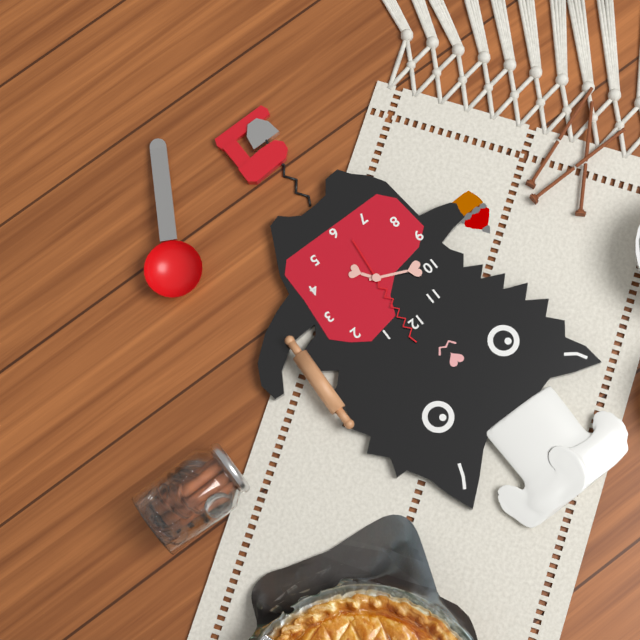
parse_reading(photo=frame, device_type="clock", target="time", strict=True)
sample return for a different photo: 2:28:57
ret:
4:49:01
